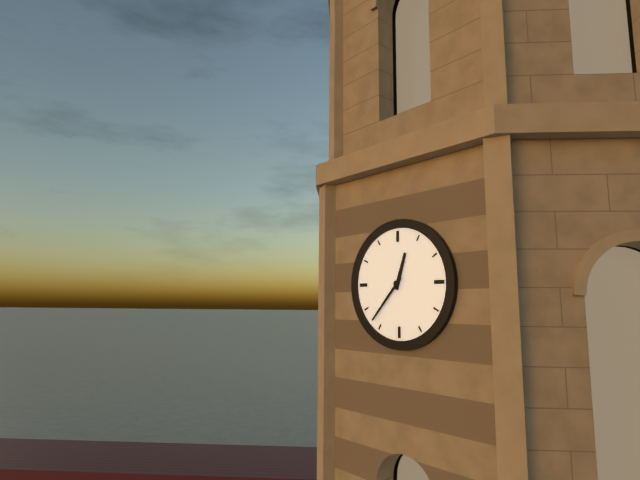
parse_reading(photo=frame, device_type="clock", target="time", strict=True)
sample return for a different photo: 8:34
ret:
12:37
